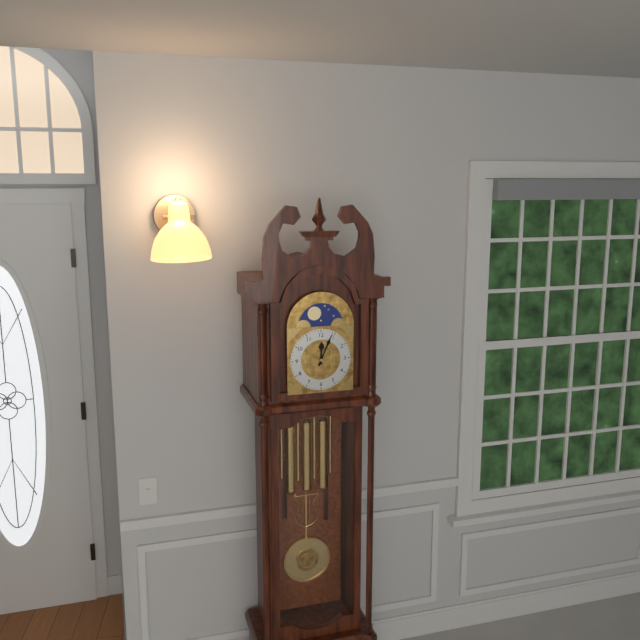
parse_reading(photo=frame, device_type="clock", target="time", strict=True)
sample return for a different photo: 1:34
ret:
12:04
